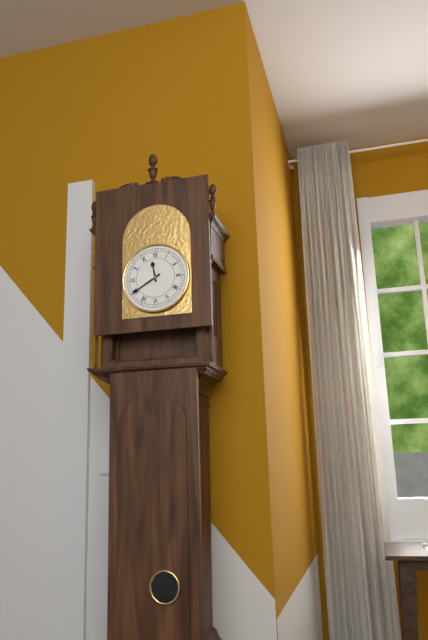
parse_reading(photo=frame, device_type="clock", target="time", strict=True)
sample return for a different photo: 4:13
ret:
11:40
